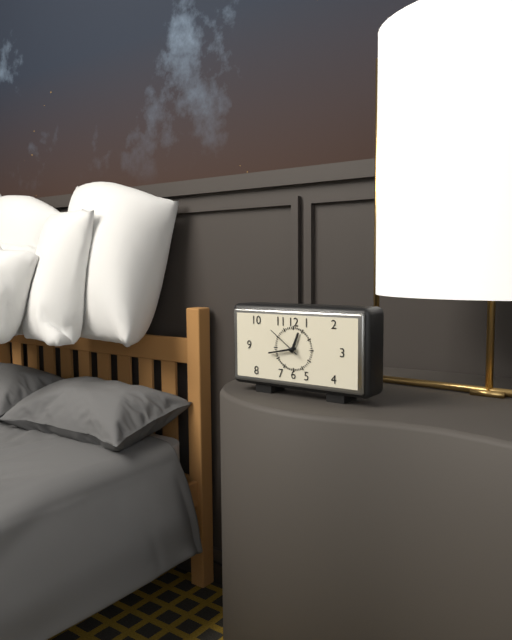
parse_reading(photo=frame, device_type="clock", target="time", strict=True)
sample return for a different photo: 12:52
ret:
12:43
